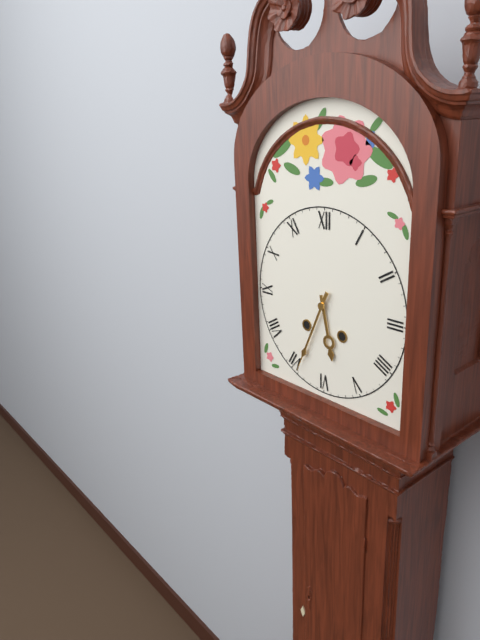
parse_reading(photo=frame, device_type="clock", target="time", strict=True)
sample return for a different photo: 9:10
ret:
5:34
